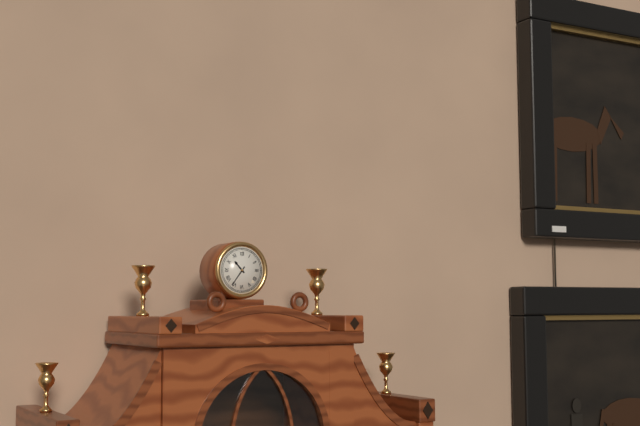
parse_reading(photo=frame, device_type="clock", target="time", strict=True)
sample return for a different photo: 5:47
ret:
10:36
